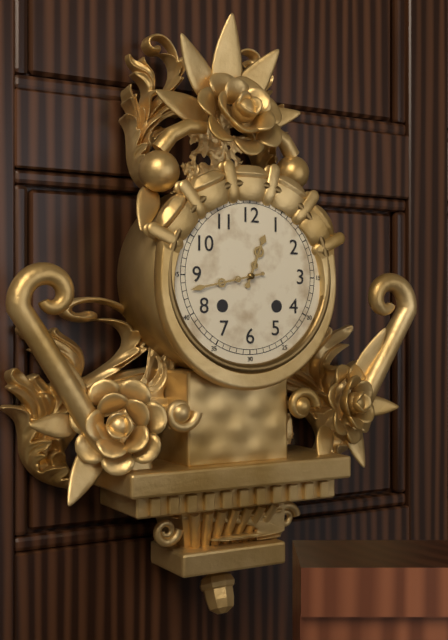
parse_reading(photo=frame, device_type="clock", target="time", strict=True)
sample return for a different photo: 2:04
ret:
12:43
